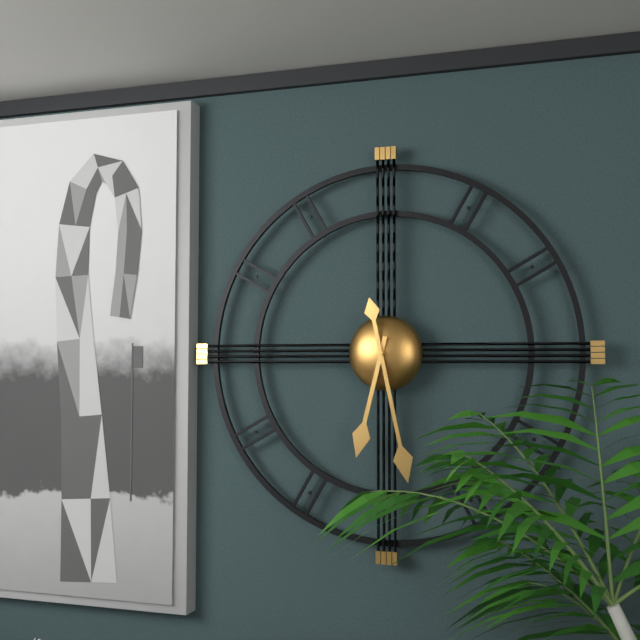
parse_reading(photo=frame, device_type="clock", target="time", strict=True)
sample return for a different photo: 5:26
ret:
6:28
